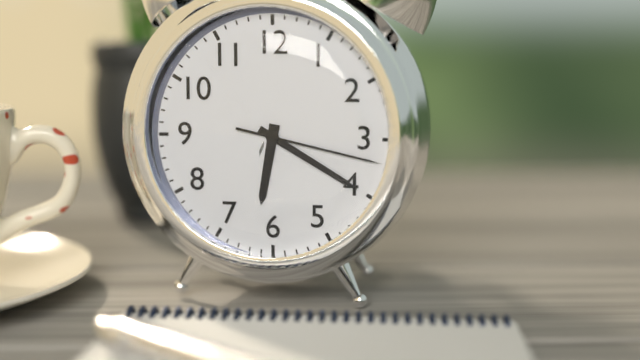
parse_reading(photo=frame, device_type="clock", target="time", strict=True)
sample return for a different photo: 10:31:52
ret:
6:20:17
